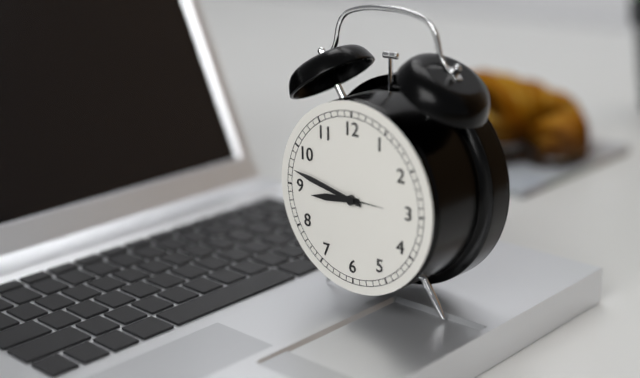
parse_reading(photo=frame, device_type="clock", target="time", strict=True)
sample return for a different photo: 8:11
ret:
8:47
